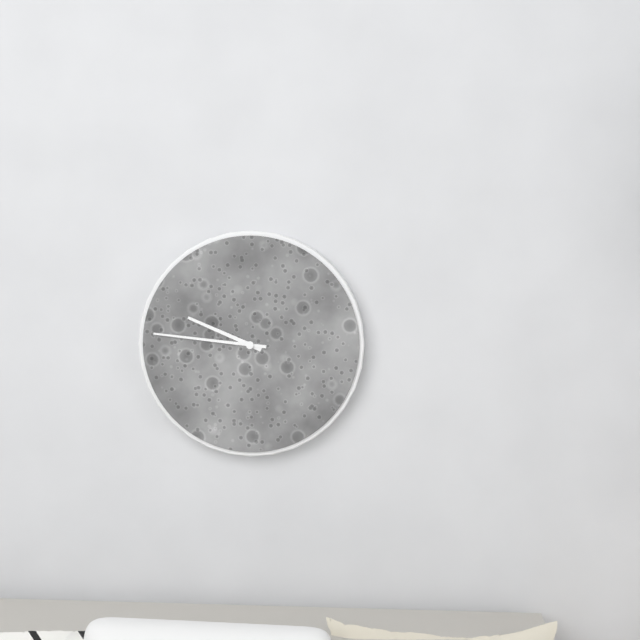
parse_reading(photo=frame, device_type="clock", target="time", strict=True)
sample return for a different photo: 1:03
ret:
9:46
